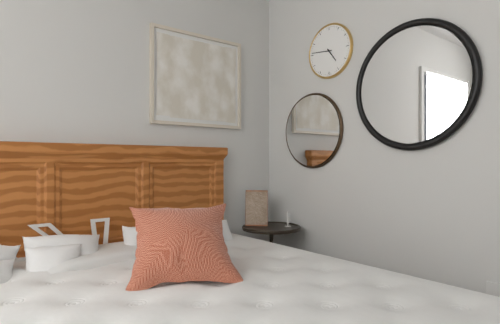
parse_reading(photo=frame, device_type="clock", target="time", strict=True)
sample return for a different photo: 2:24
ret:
4:46
